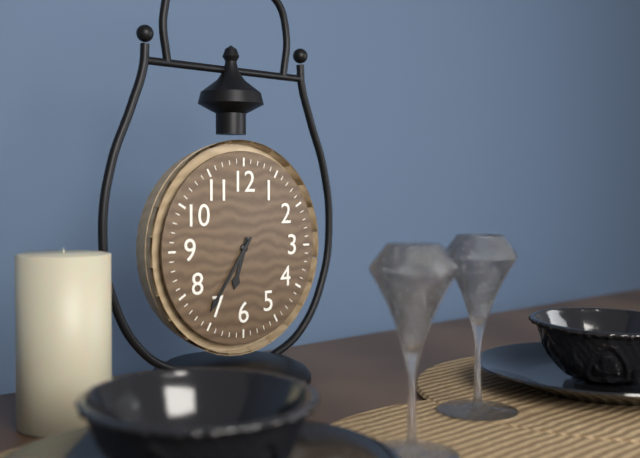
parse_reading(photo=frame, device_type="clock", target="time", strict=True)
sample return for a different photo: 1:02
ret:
6:36
